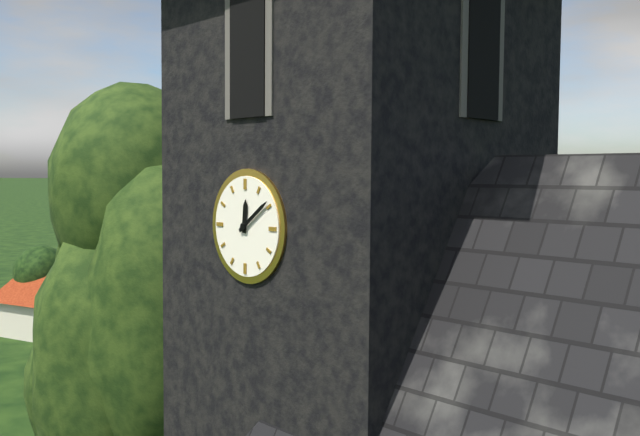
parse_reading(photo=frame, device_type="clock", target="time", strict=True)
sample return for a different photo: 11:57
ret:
12:09
